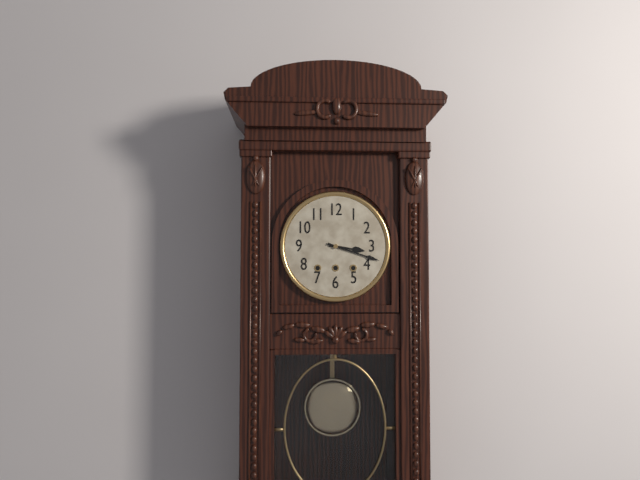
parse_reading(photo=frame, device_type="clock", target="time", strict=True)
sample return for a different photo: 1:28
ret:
3:18
